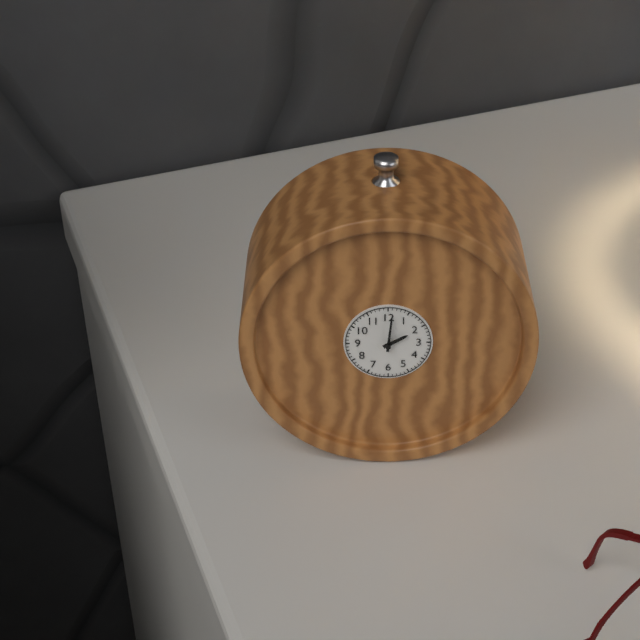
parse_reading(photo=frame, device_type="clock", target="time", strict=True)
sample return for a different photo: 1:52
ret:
2:01
